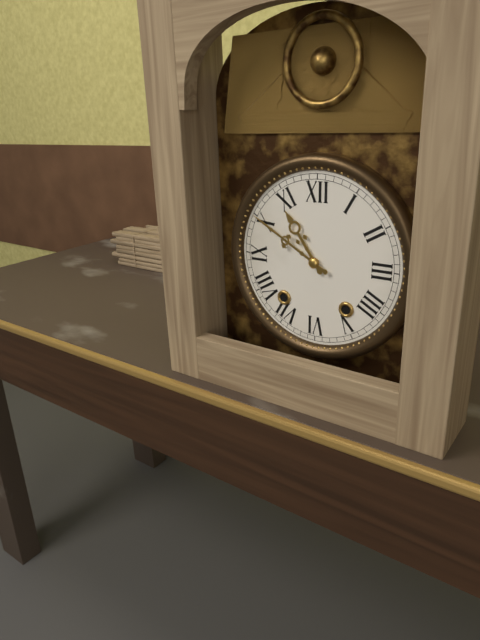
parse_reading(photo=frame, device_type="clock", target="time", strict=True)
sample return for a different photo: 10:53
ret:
10:50
